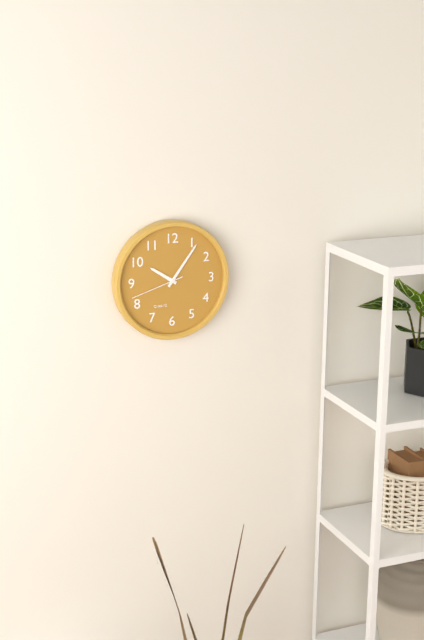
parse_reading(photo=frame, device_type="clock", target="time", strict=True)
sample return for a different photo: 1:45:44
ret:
10:06:42
